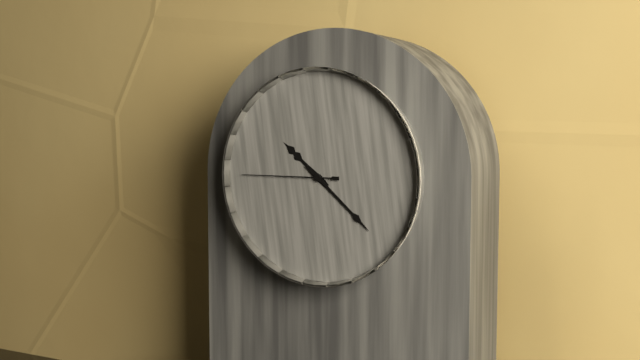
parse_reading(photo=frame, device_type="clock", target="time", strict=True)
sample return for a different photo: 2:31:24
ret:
10:22:45
